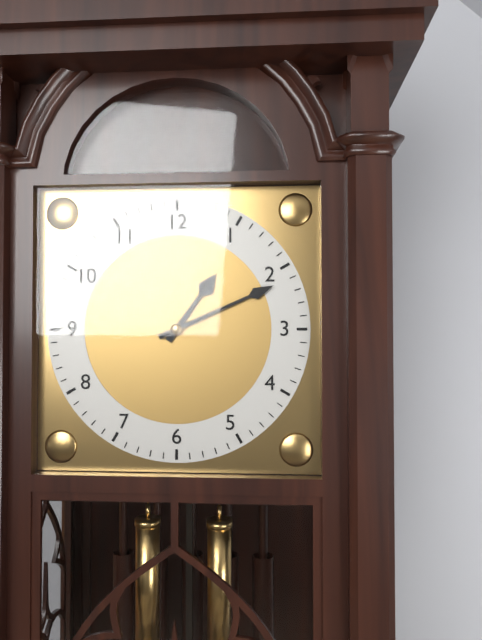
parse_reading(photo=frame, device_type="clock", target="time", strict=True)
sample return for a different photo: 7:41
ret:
1:11
